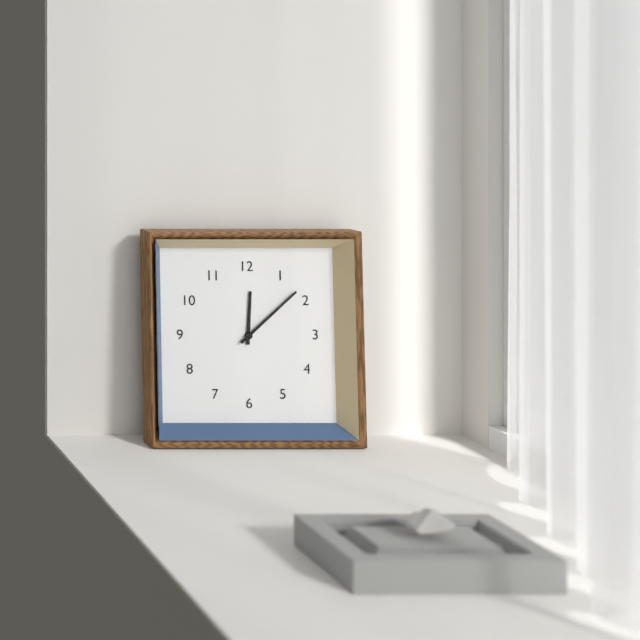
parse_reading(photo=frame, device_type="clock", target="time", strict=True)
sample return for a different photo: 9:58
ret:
12:08
